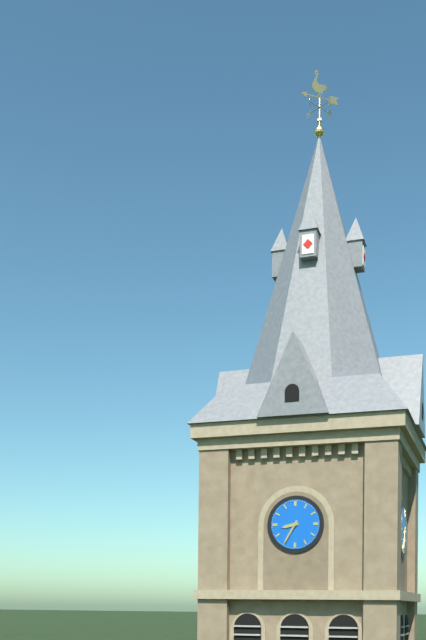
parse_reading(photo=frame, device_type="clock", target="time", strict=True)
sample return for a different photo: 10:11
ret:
8:35
